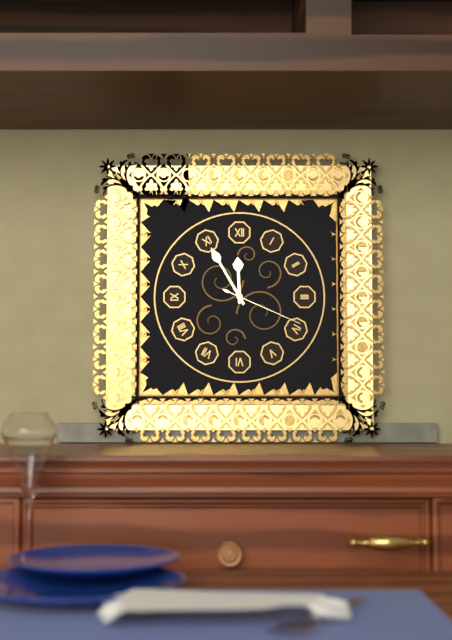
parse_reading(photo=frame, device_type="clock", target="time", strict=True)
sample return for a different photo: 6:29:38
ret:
11:55:19
